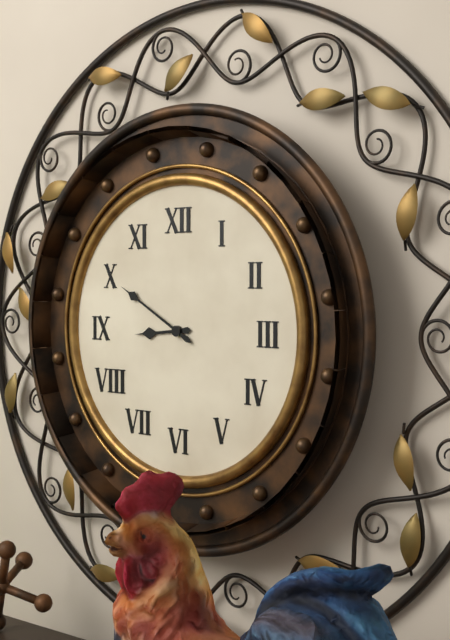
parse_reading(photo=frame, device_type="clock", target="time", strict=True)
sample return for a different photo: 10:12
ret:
8:50
